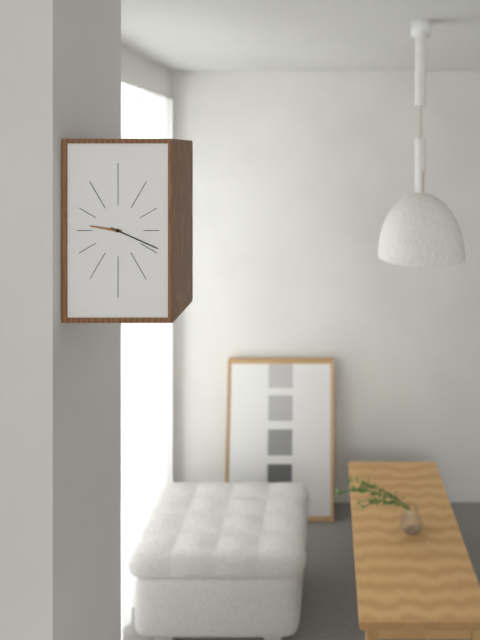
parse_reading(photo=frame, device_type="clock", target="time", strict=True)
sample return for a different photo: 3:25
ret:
9:19
